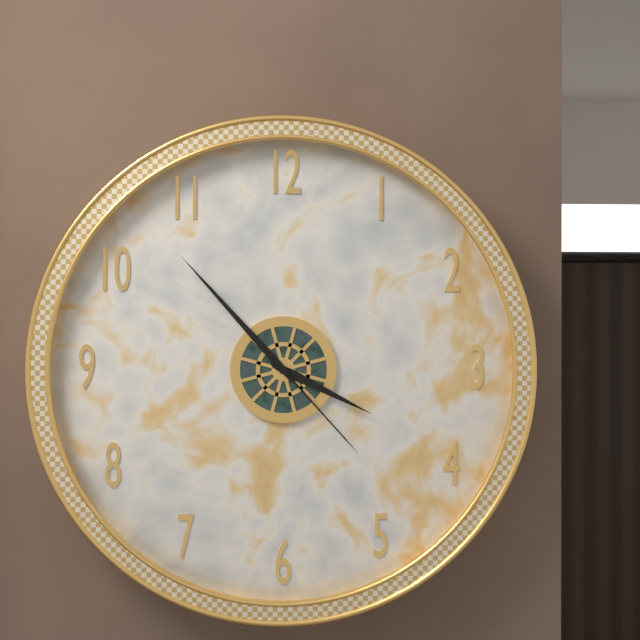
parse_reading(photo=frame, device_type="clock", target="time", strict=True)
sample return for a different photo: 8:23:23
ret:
3:53:23
